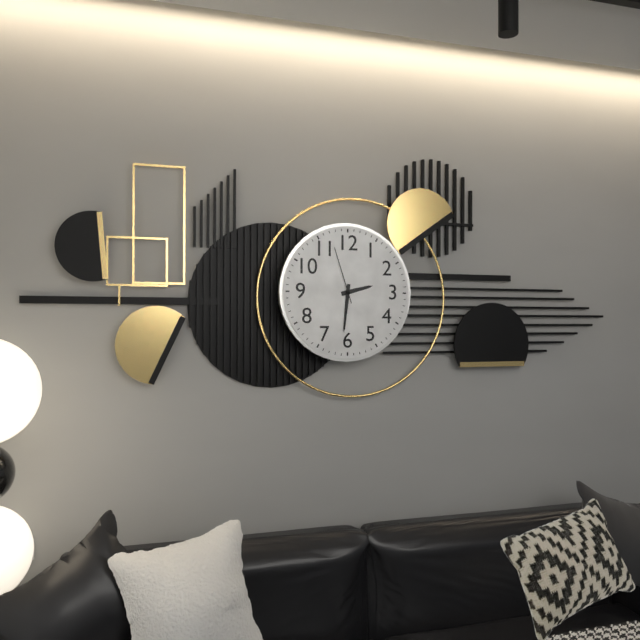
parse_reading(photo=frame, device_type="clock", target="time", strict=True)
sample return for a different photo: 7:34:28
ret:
2:31:57
